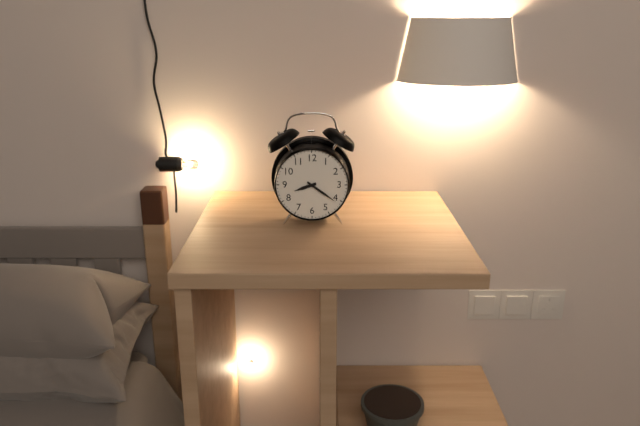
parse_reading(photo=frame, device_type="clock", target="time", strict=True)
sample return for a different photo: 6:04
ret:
8:21
